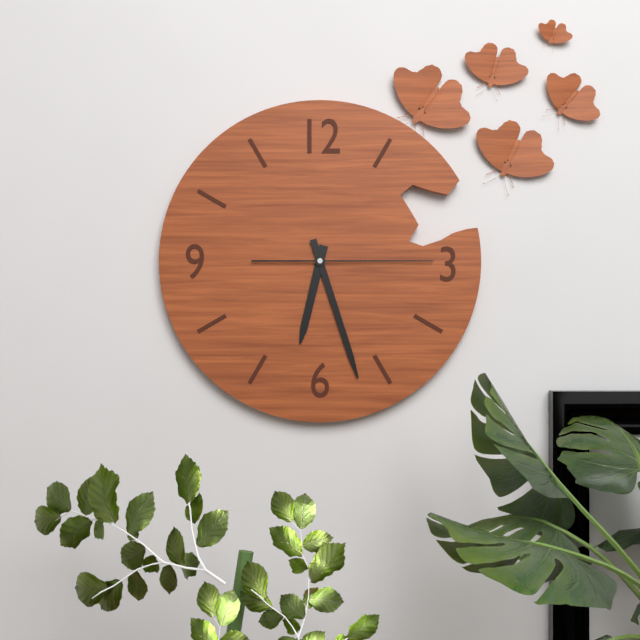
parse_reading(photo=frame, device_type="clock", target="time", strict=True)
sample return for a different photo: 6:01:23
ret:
6:27:15
